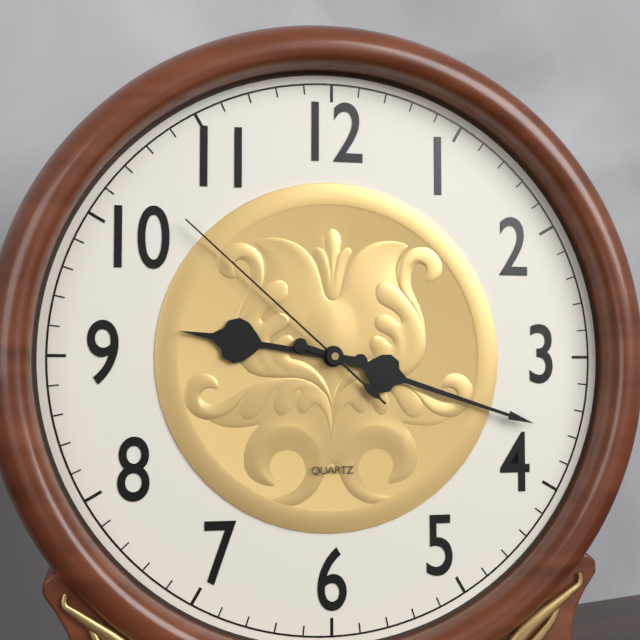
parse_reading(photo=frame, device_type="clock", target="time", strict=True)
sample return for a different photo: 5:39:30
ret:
9:18:52
